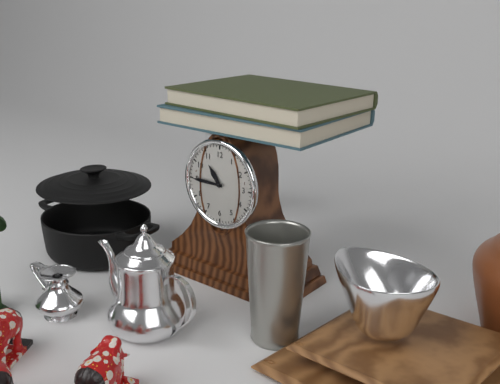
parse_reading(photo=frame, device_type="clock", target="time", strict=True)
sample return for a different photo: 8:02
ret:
10:45
